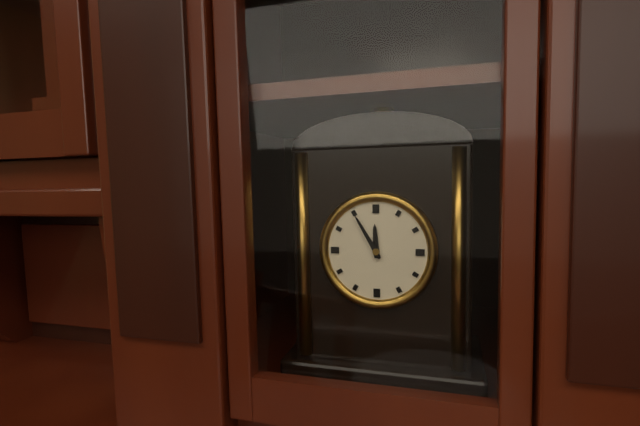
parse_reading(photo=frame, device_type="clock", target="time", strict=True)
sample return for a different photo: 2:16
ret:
11:55
